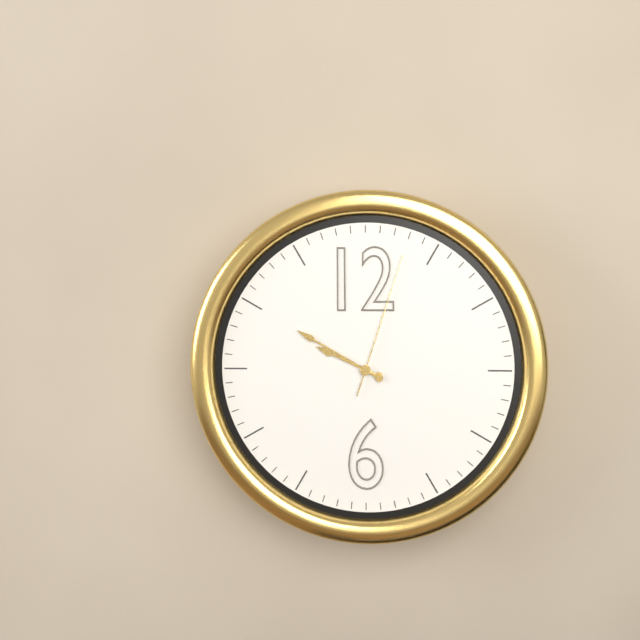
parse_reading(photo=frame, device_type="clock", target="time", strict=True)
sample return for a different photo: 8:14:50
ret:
9:50:03
